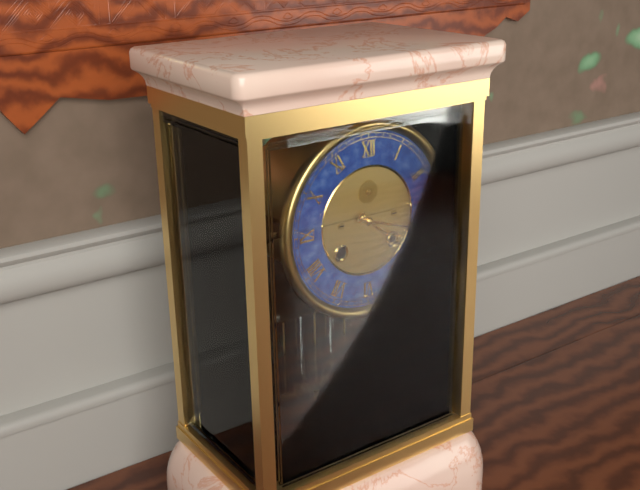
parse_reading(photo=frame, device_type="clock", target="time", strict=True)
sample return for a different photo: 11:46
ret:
4:18
